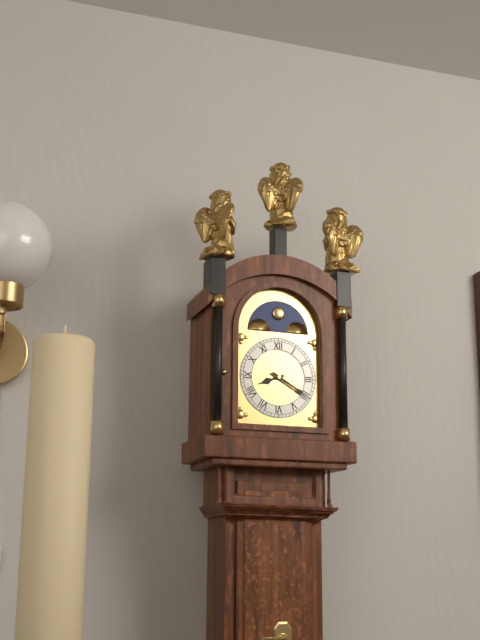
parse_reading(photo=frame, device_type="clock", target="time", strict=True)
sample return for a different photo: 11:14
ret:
8:20
